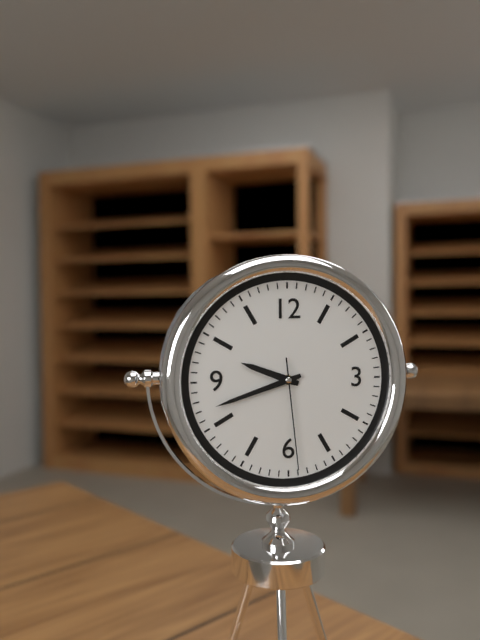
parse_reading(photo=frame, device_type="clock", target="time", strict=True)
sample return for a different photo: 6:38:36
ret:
9:42:29
